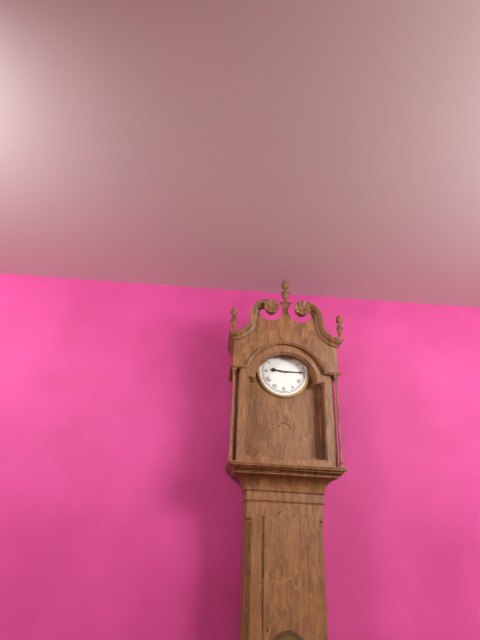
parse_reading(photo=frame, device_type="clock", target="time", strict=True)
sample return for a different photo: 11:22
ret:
9:15
